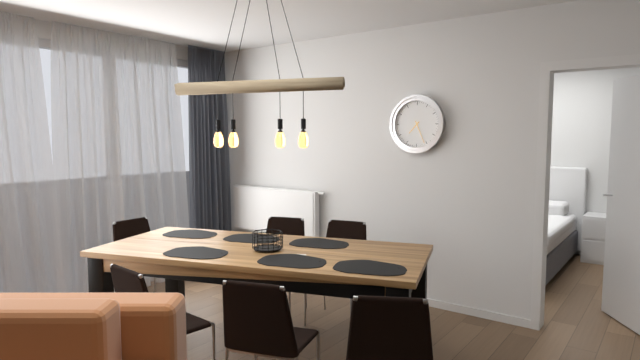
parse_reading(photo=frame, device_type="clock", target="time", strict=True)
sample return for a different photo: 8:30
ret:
7:26
